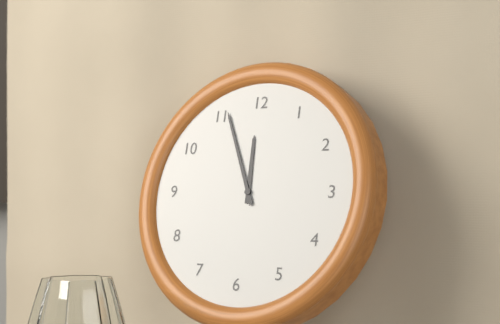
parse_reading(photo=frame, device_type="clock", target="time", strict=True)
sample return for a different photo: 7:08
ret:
11:56
